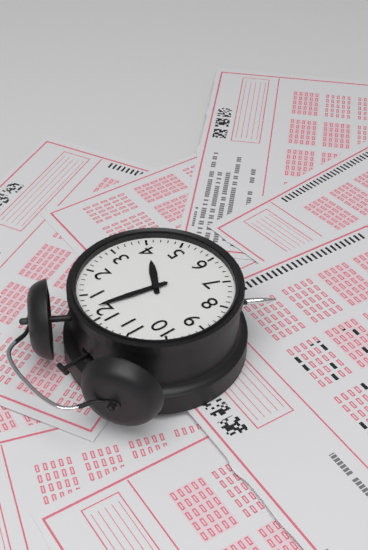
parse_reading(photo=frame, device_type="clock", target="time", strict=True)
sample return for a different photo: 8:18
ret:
4:02
